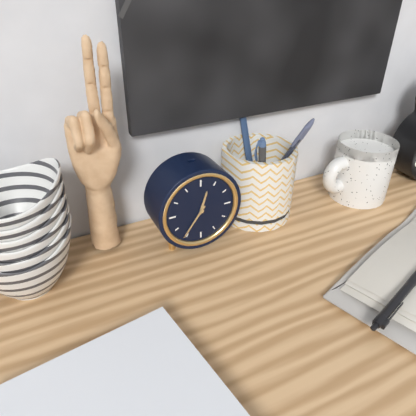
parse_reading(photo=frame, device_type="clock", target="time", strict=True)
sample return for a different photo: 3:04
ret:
12:36
